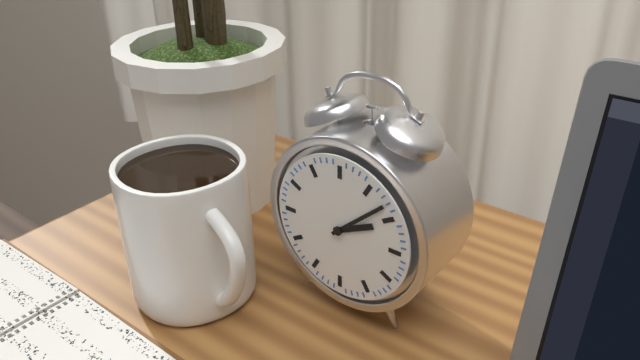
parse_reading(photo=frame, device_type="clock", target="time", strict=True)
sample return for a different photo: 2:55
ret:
2:08
